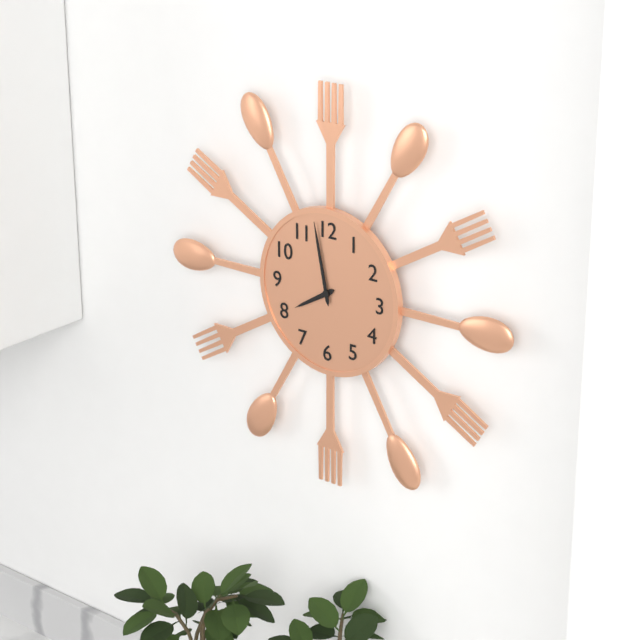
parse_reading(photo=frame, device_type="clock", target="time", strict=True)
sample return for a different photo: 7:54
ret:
7:58
